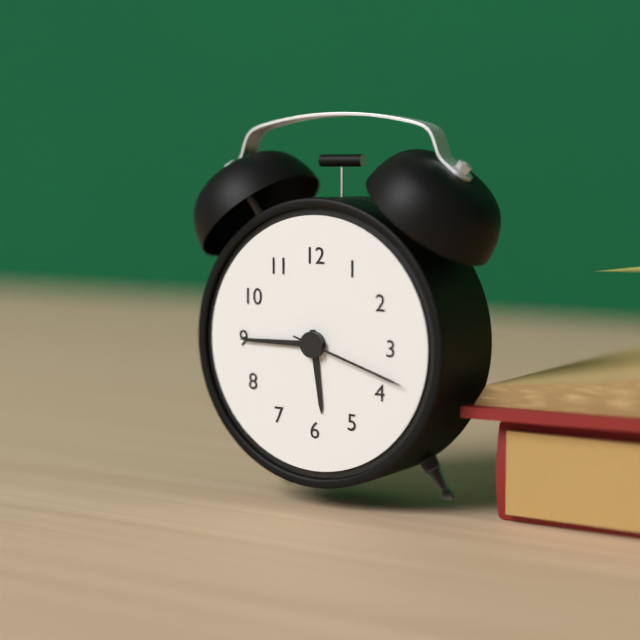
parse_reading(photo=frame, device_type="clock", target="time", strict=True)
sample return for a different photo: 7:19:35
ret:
5:45:18
